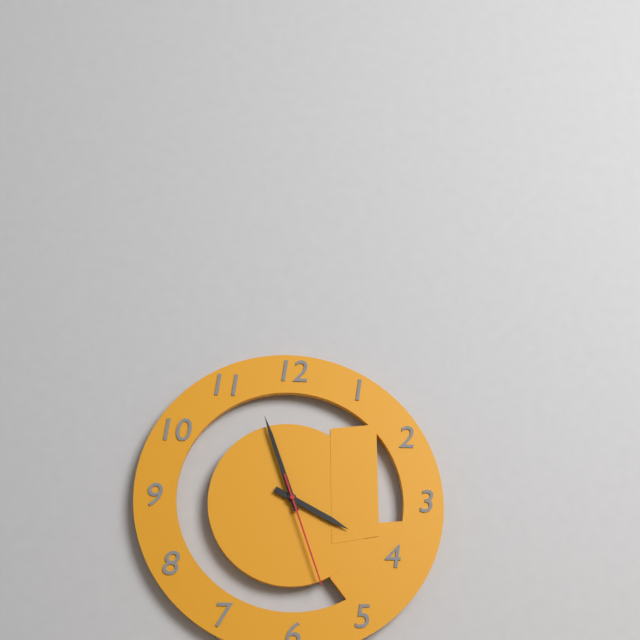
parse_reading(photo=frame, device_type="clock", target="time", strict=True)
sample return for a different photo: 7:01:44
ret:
3:57:27
